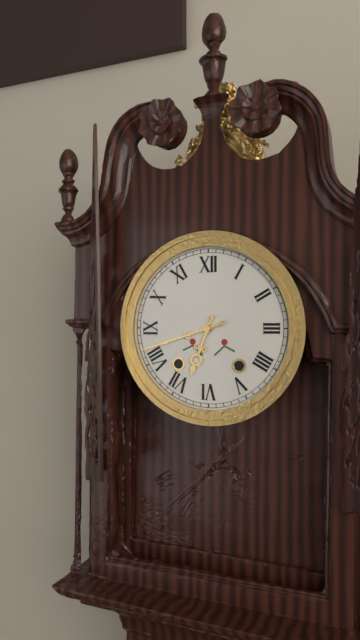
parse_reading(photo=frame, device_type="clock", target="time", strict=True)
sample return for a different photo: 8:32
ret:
6:42
